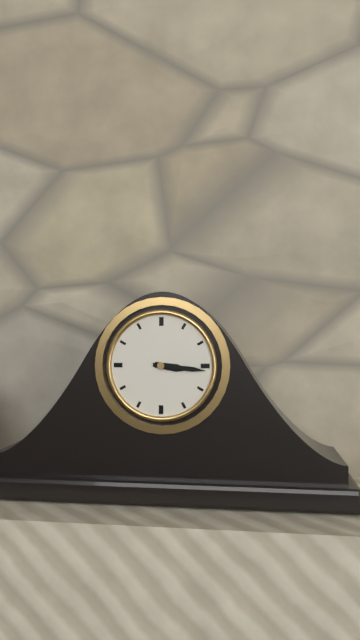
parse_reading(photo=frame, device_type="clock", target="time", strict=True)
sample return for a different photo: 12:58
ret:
3:16
